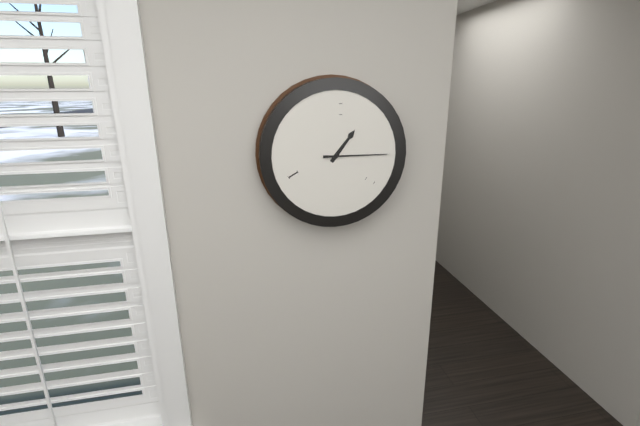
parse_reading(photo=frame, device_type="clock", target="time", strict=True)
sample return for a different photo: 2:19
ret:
1:15
